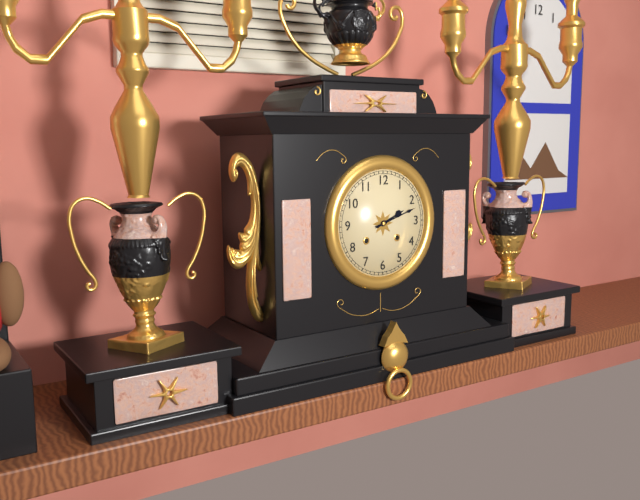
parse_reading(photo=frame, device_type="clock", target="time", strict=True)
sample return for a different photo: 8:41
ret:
2:12
